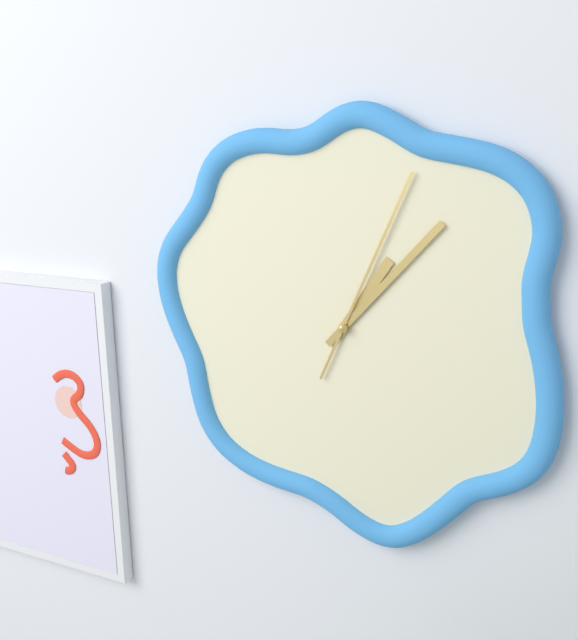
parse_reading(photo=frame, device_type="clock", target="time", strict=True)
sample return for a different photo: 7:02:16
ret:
1:07:04
